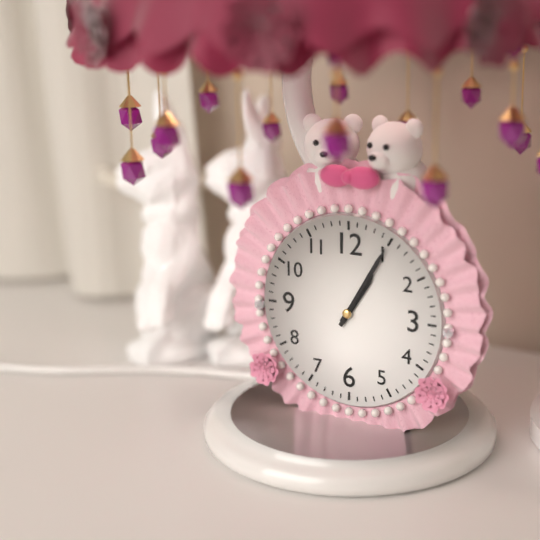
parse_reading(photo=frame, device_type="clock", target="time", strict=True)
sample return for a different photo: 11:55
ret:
1:05
